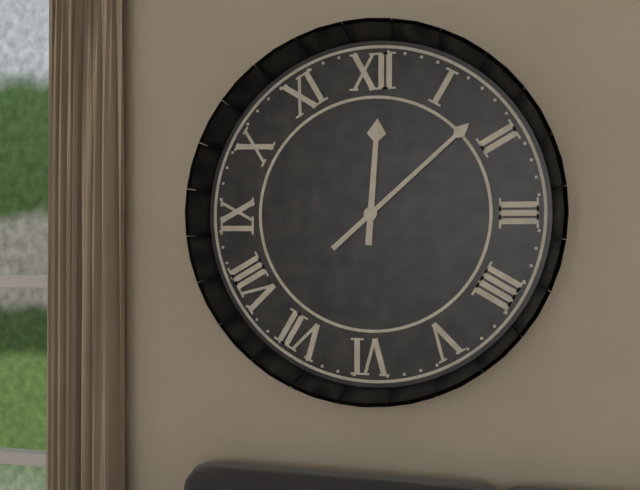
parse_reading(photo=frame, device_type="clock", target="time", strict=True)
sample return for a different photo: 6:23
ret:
12:08
